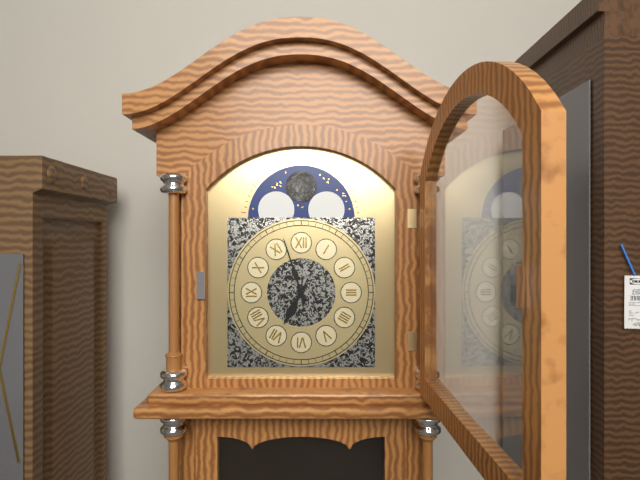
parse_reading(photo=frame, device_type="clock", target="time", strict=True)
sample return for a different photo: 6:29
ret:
6:57
